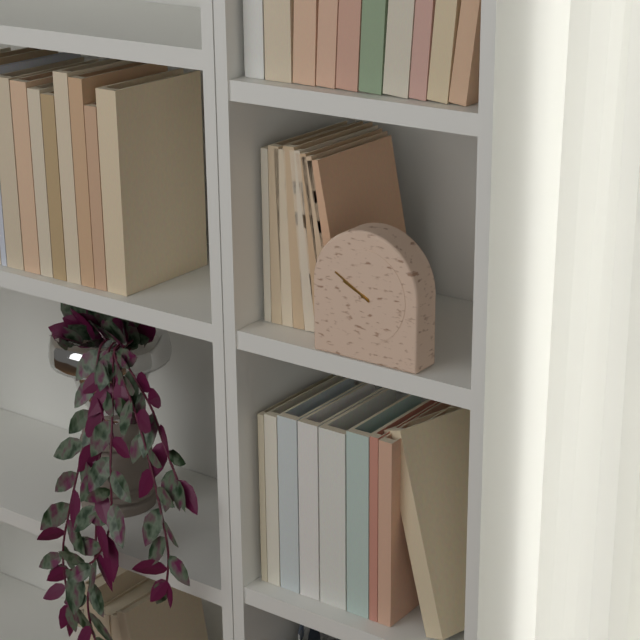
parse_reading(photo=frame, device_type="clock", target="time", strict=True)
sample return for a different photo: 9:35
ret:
9:50
